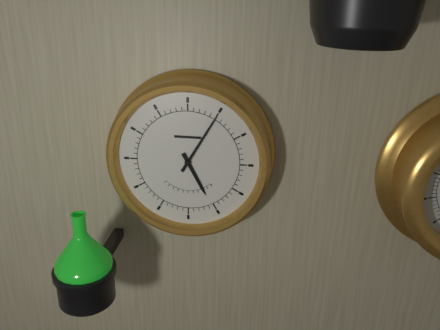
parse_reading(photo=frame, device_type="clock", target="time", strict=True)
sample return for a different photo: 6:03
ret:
5:05
